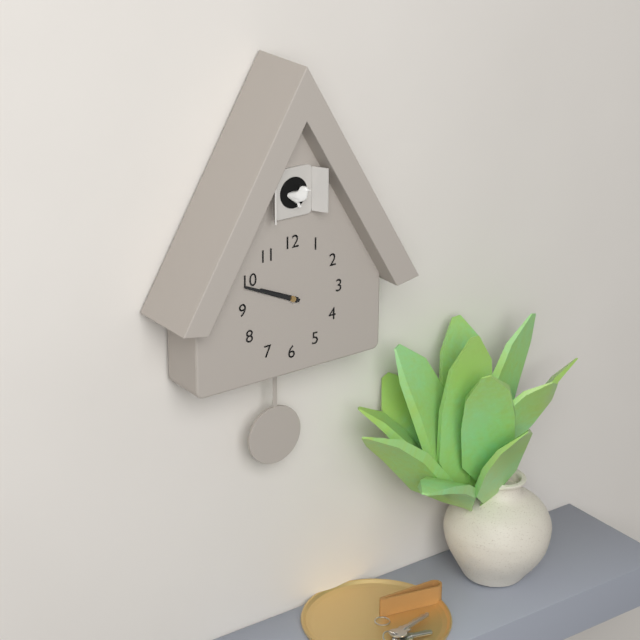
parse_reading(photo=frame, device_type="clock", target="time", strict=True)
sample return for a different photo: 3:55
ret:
9:49
